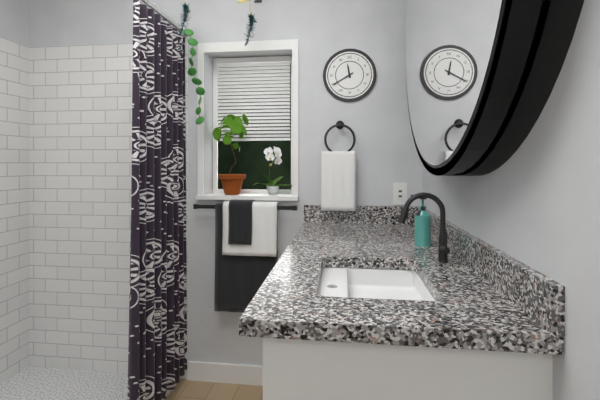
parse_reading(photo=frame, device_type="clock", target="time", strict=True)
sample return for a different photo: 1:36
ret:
11:40
